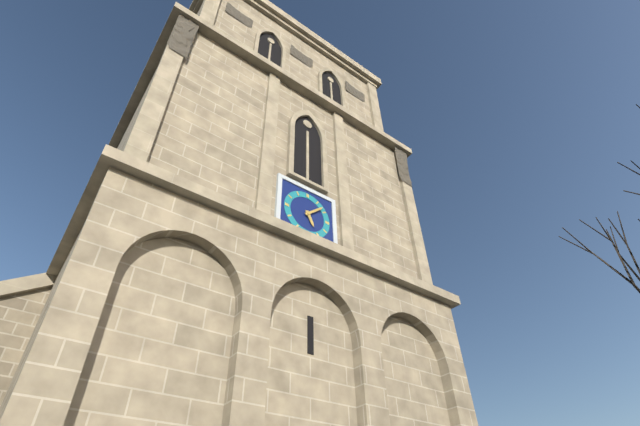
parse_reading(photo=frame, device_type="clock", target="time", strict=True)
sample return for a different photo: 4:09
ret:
5:08
